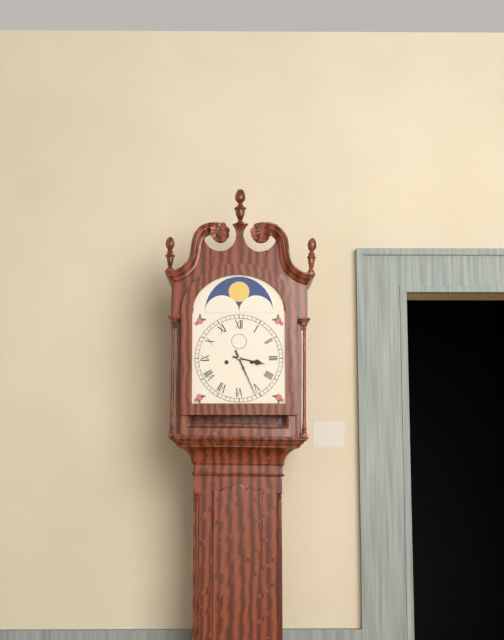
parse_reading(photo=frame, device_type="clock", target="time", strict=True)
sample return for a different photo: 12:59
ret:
3:26
